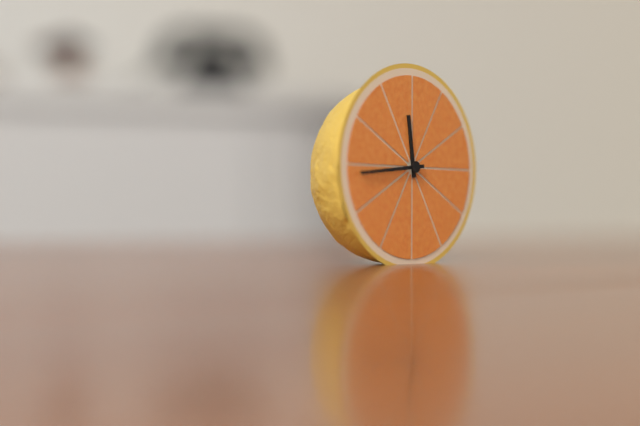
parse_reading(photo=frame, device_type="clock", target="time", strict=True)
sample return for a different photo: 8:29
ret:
11:44
